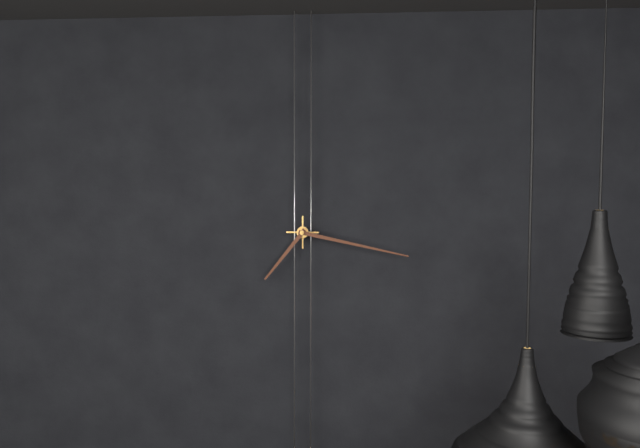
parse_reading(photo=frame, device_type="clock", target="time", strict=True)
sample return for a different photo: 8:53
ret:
7:17
